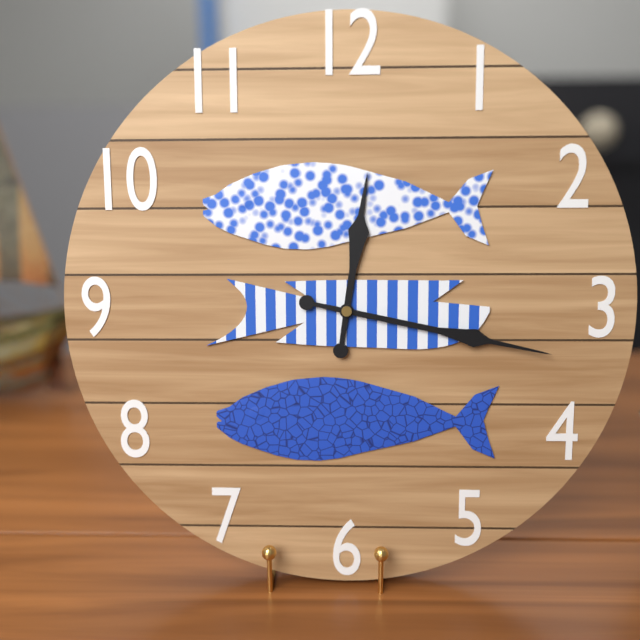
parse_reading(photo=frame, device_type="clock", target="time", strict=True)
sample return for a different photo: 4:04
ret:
12:17
